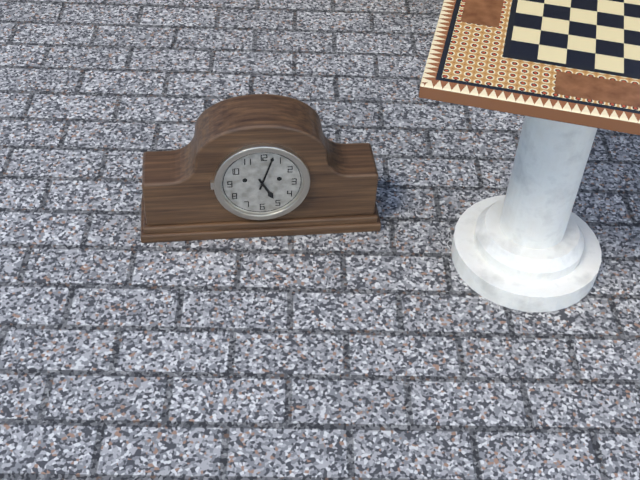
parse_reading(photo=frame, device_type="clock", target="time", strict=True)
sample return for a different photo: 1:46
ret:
5:03
